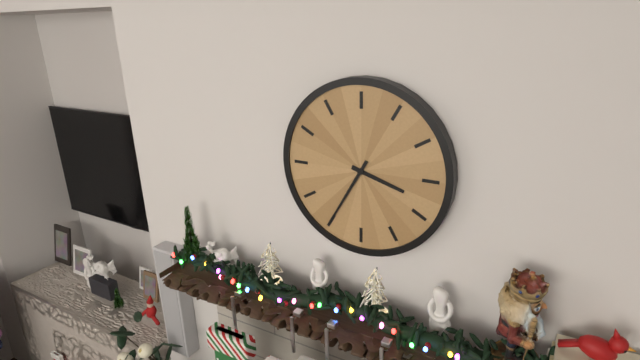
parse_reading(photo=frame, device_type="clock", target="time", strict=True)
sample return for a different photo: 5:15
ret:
3:35
